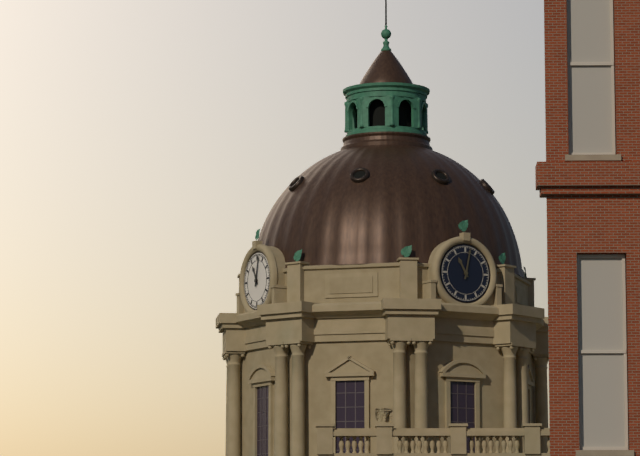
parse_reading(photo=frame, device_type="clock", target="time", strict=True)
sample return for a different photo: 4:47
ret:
11:02
